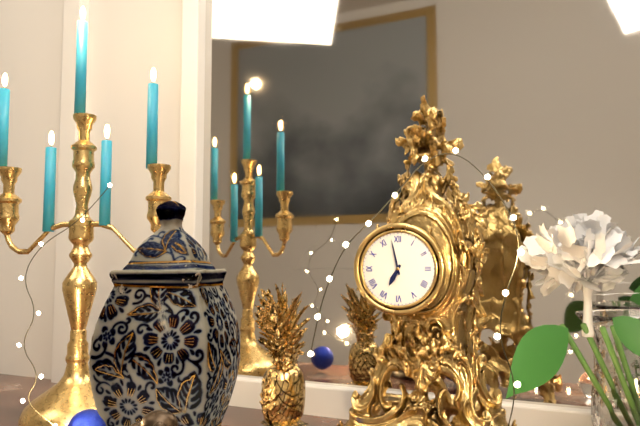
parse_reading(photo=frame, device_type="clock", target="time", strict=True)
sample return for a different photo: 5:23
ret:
6:58
